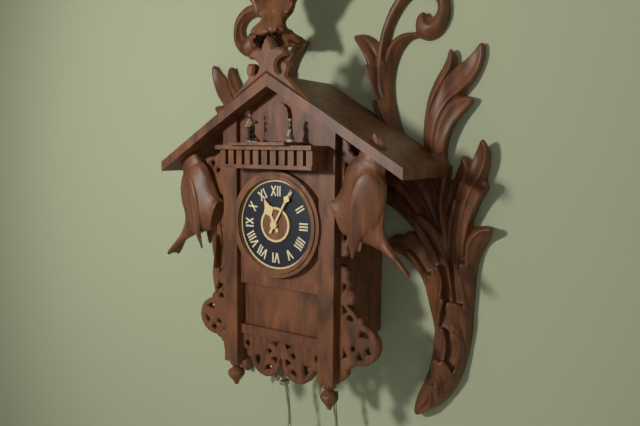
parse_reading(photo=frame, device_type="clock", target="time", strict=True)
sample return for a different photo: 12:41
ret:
11:05
